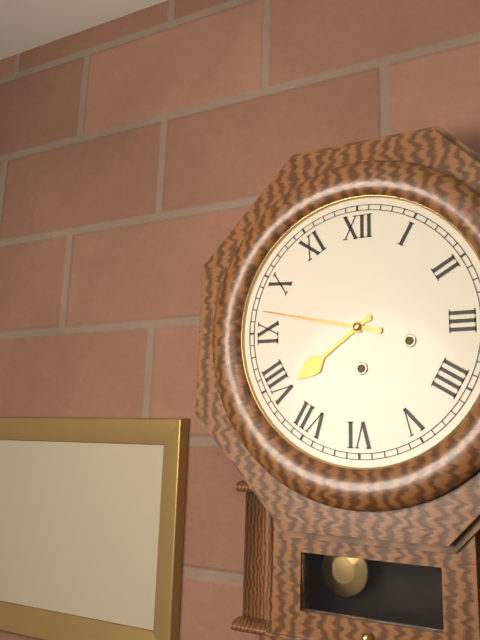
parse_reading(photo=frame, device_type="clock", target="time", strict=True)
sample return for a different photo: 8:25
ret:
7:47
